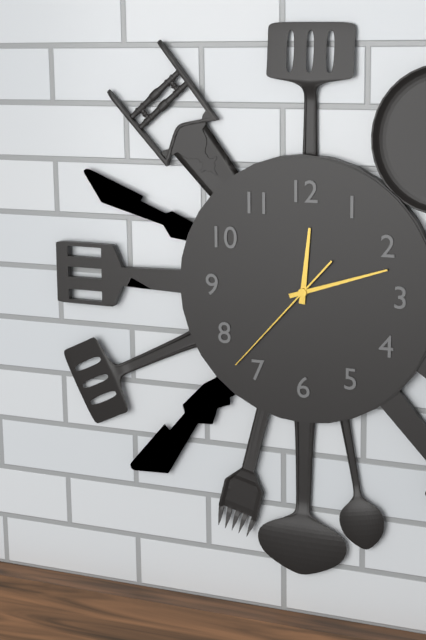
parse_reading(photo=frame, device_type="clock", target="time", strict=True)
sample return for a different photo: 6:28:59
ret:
12:12:37
